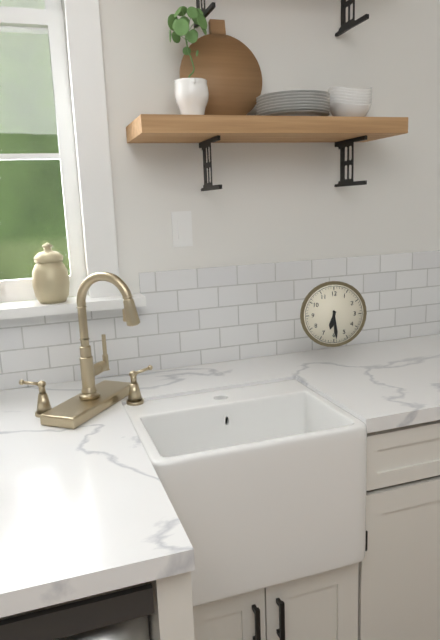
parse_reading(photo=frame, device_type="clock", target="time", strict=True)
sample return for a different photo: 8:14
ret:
6:29
